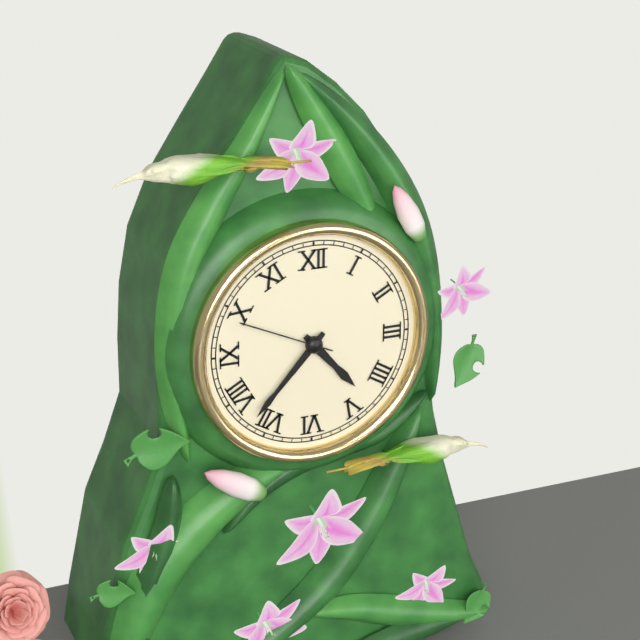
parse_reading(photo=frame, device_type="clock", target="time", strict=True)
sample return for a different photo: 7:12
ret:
4:37
